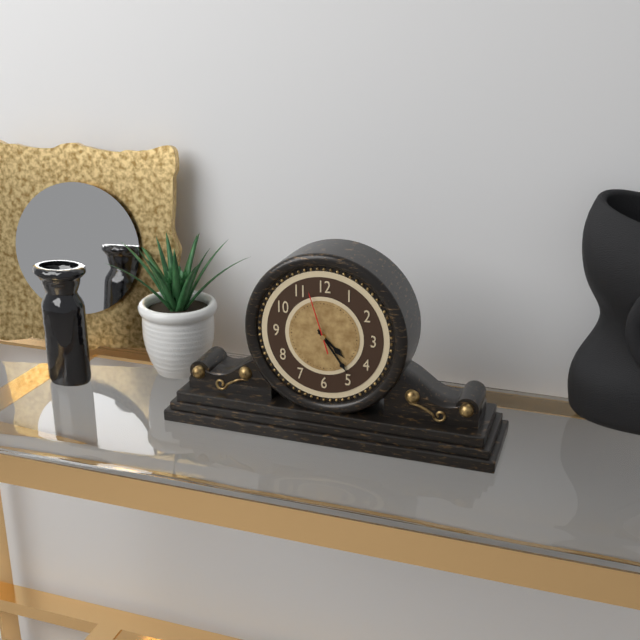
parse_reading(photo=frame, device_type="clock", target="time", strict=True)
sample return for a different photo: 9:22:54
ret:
4:24:57
